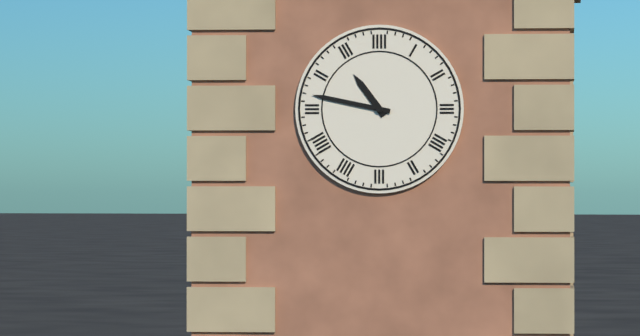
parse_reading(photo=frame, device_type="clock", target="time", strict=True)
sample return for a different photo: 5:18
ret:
10:47
